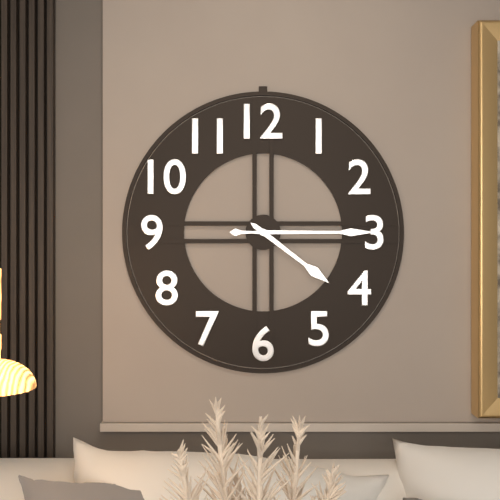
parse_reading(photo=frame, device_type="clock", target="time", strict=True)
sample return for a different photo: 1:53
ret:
4:15
